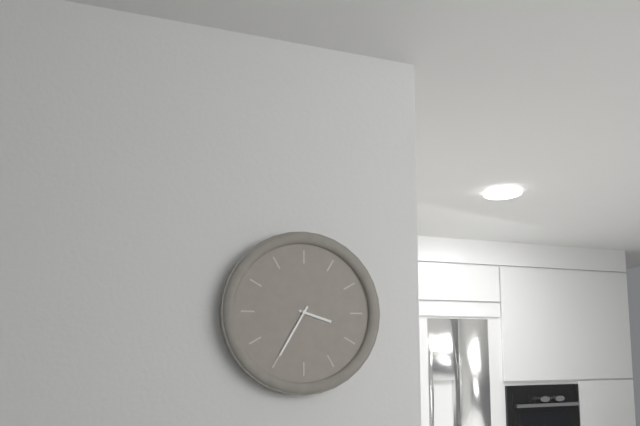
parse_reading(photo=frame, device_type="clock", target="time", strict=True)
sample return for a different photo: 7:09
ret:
3:35
